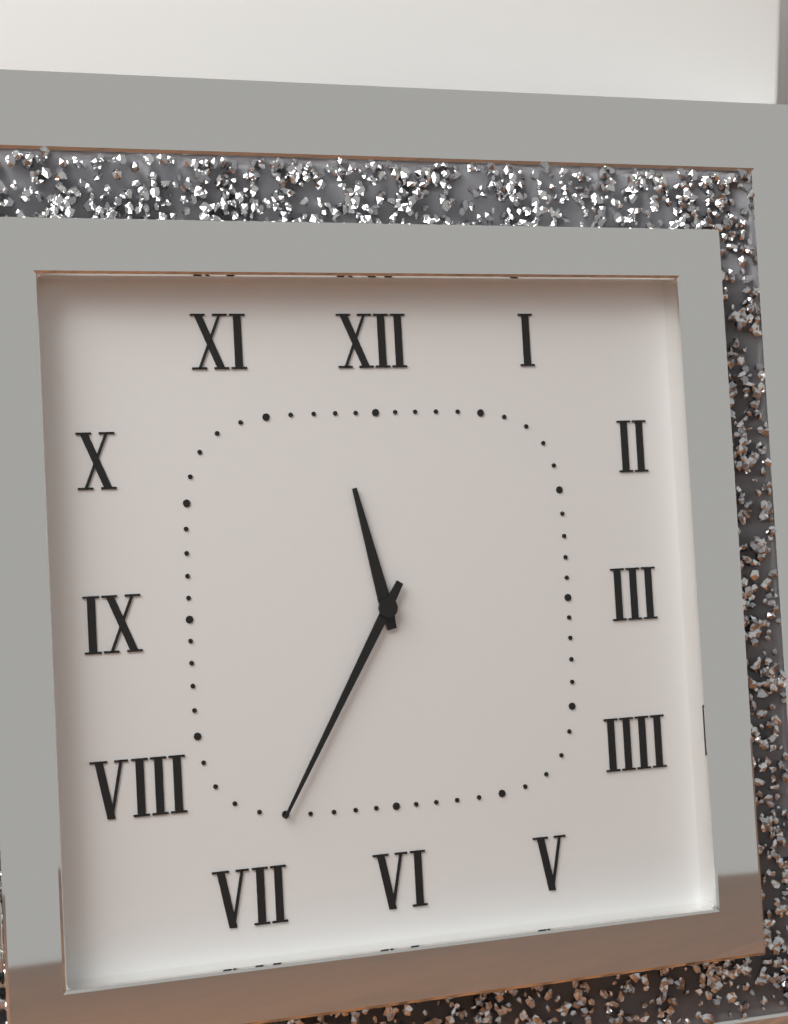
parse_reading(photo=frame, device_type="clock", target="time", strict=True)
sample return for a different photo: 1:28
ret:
11:35
